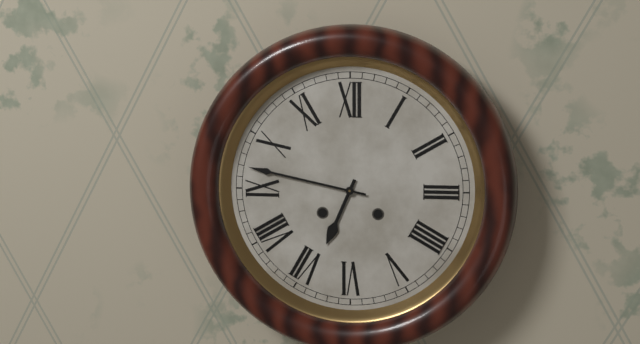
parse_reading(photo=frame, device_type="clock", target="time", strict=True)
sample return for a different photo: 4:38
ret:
6:47
